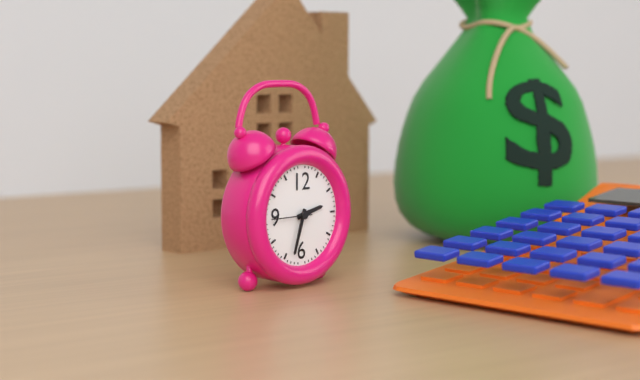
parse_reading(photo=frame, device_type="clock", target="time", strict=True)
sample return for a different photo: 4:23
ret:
2:33
